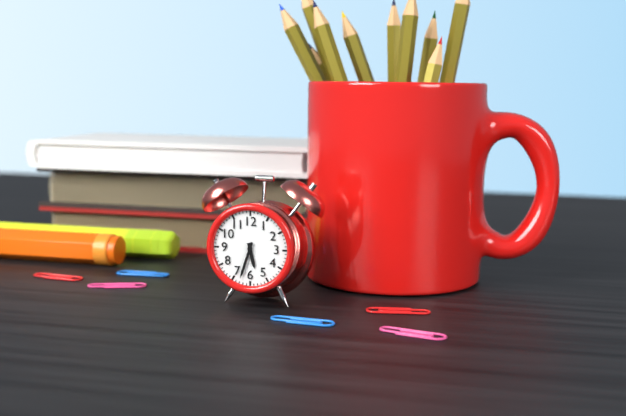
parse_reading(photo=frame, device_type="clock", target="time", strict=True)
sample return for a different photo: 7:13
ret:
5:33
